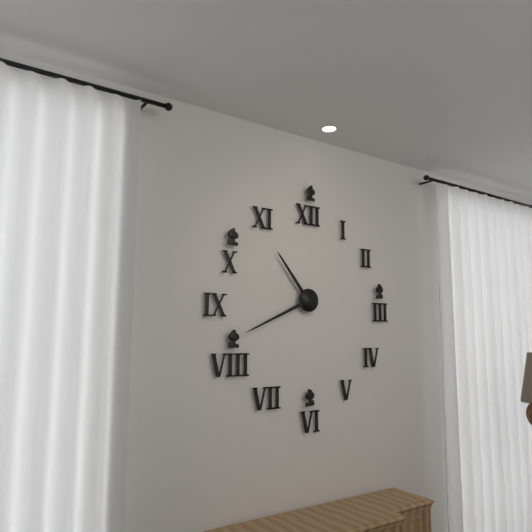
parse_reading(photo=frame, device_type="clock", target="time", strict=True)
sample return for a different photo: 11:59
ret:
10:41
